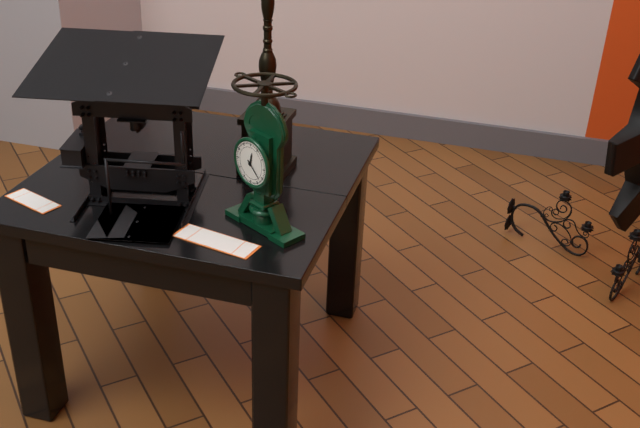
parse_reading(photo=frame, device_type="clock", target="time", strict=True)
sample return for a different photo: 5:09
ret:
12:22
